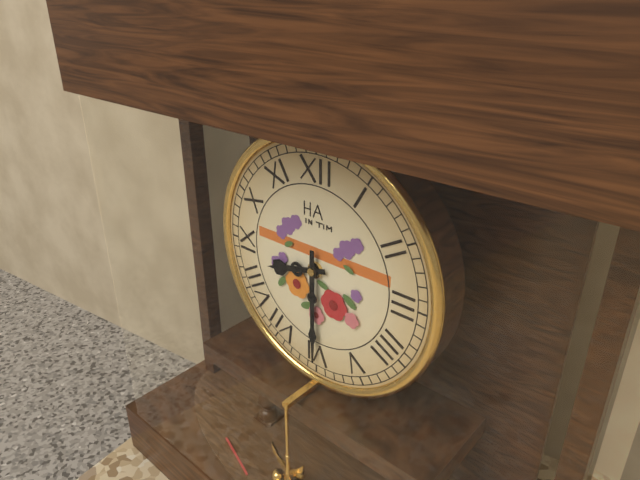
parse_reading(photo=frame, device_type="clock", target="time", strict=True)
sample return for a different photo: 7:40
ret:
8:30
